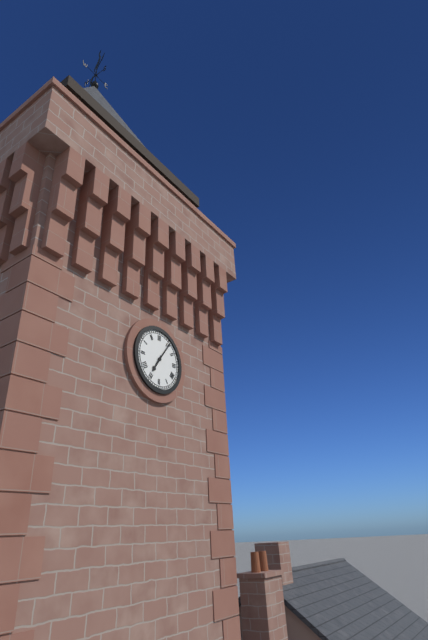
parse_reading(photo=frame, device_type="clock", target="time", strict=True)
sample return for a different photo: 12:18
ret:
7:06
